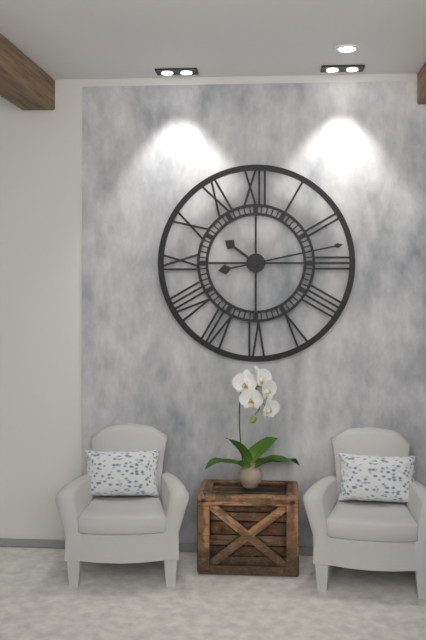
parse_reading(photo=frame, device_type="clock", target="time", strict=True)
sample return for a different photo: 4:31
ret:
10:13
